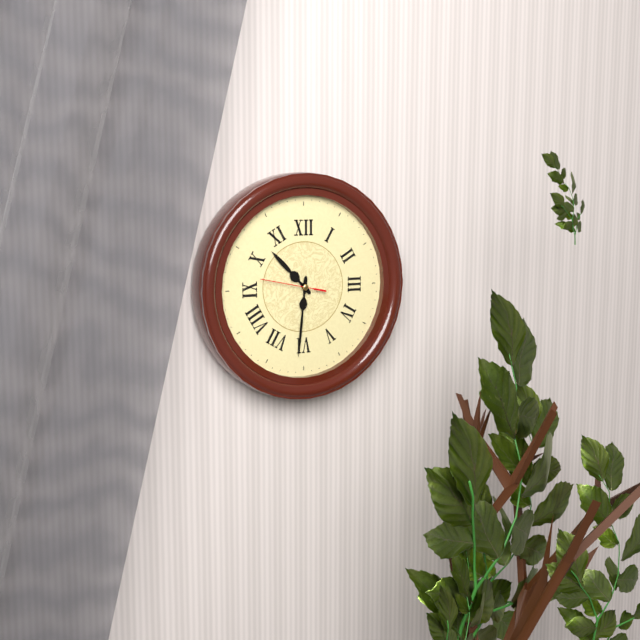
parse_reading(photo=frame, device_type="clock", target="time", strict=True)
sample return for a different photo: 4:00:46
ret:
10:31:47
